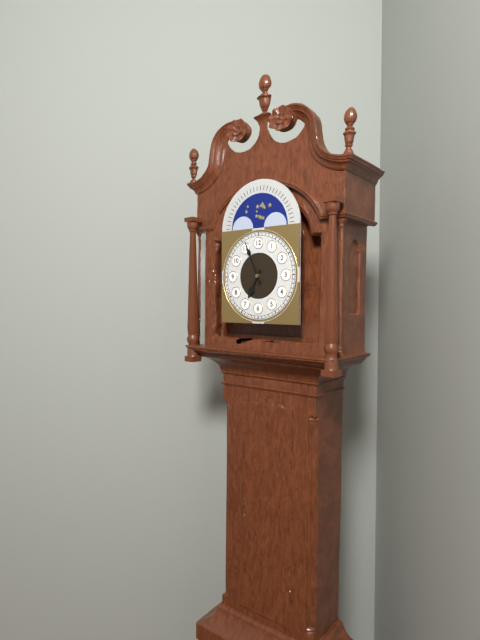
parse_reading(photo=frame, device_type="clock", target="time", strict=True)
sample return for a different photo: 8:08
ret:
6:56
